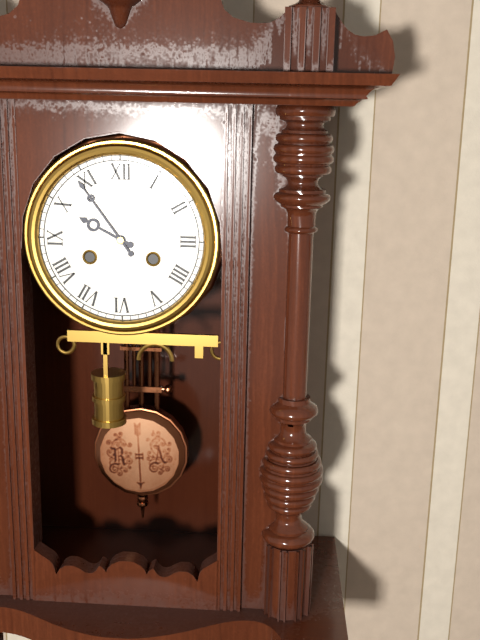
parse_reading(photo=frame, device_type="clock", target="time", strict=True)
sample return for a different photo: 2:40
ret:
9:54
